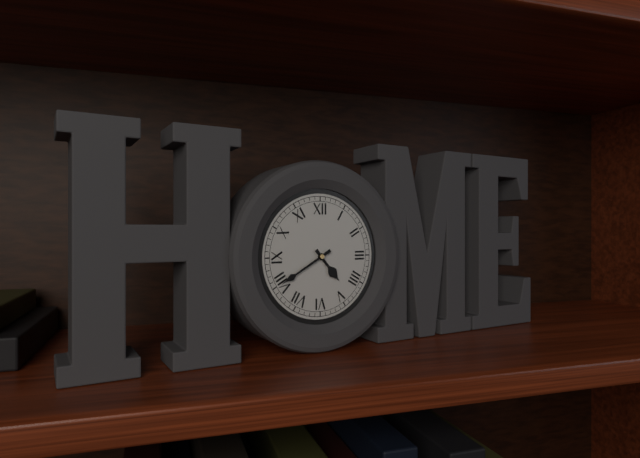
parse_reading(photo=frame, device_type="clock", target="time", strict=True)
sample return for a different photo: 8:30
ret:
4:40
